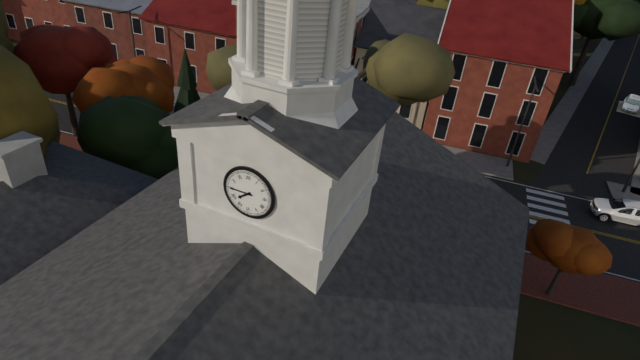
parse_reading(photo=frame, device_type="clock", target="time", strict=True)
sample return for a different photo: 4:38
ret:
7:45
